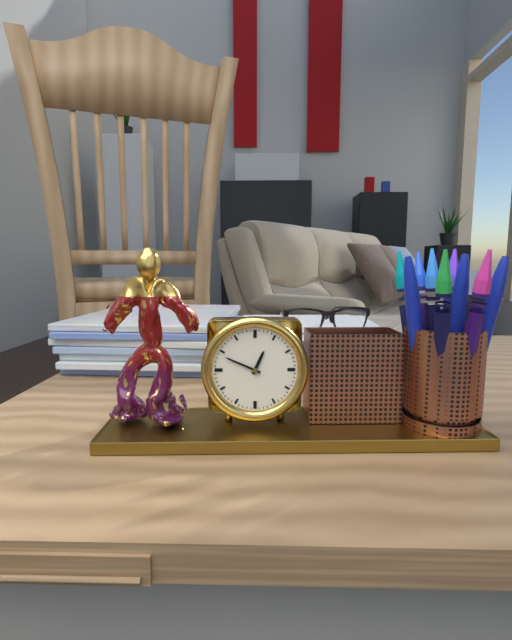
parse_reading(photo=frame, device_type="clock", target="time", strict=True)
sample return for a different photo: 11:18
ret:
12:49
